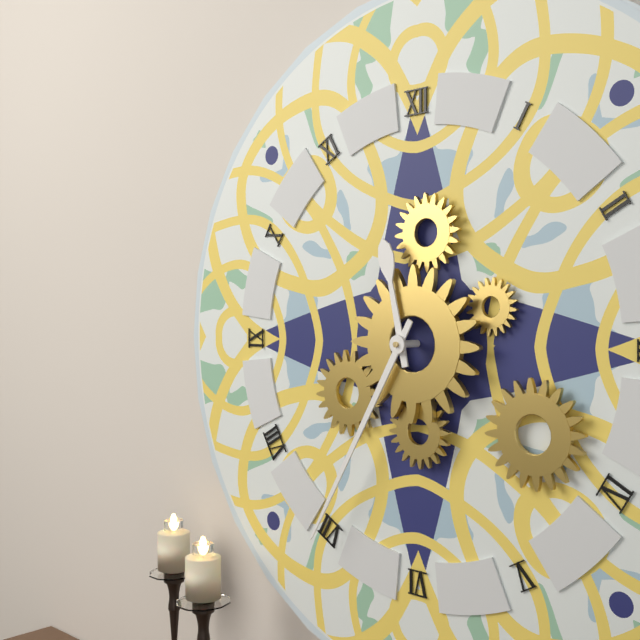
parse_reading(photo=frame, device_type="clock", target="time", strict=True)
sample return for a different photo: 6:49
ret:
11:35
